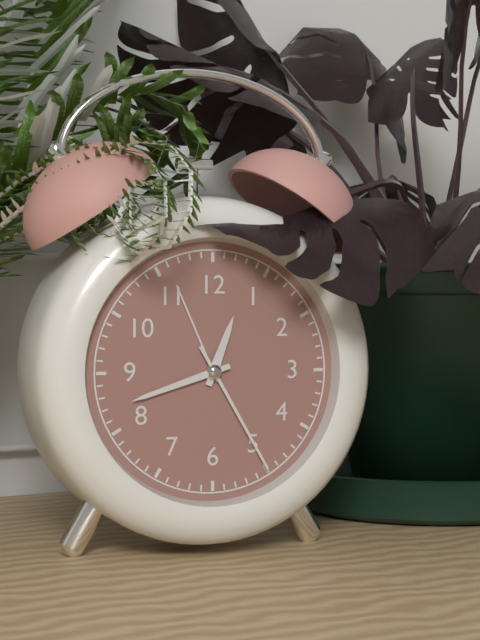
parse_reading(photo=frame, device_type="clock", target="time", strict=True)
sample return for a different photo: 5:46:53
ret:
12:42:25
